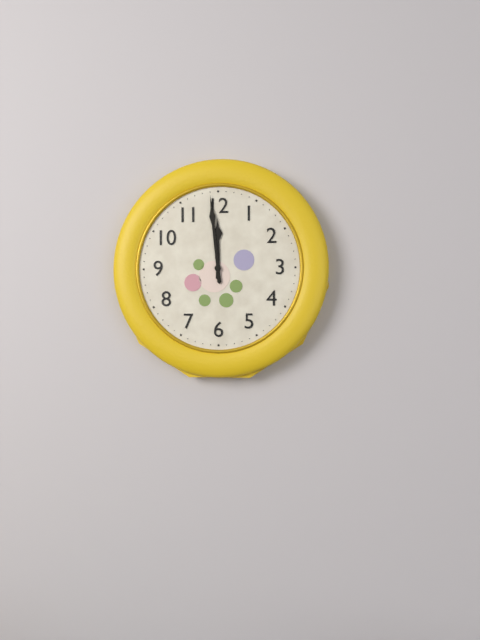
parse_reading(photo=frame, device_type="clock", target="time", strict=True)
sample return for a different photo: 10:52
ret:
11:59
